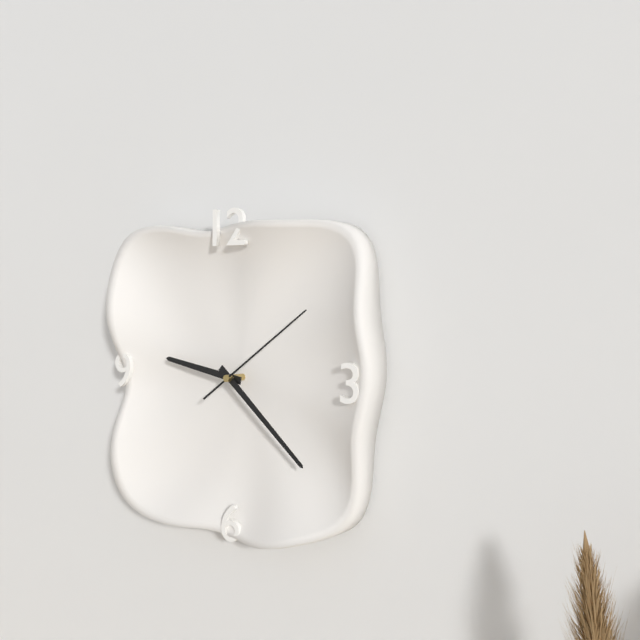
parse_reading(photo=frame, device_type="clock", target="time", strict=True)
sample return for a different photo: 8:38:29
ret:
9:22:09
